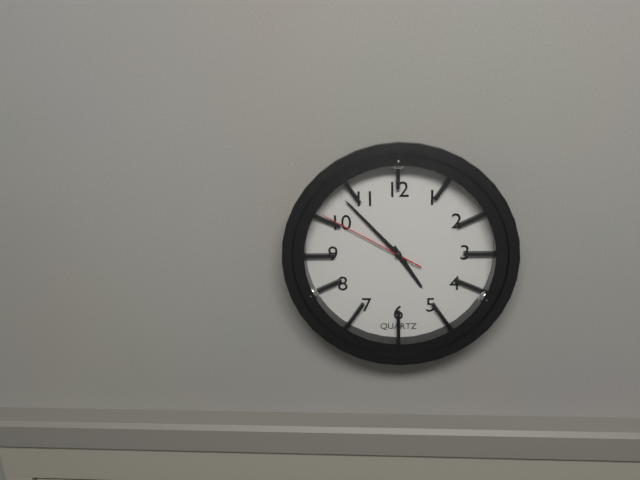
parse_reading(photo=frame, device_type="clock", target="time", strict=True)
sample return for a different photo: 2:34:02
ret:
4:53:50
